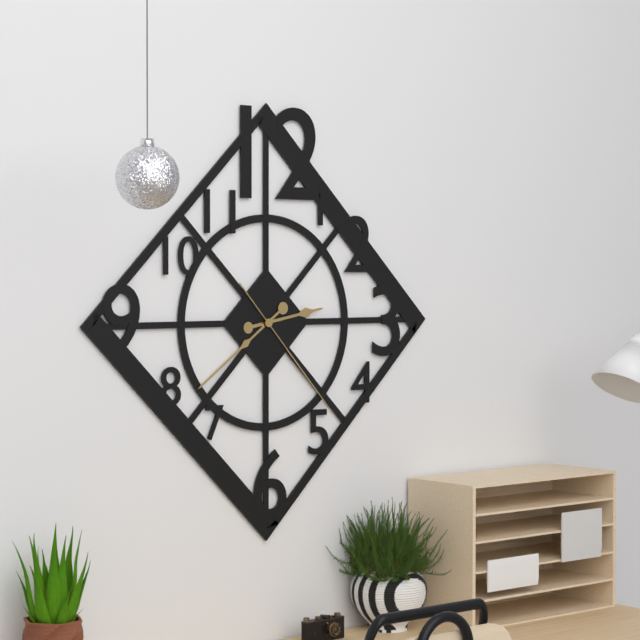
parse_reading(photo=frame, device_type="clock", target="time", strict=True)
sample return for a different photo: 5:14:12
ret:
2:39:23
